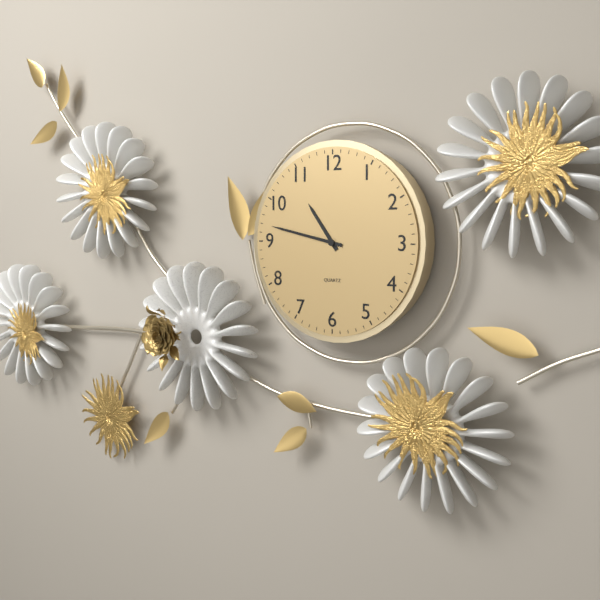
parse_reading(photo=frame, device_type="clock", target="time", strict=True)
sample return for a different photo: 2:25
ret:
10:47
